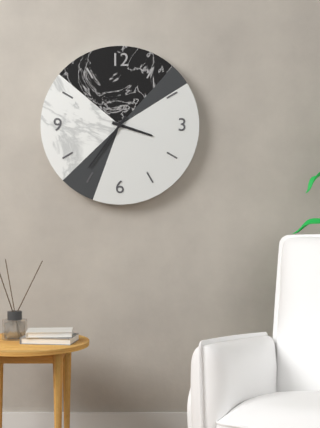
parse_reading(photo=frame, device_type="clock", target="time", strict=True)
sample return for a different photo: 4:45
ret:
3:36
